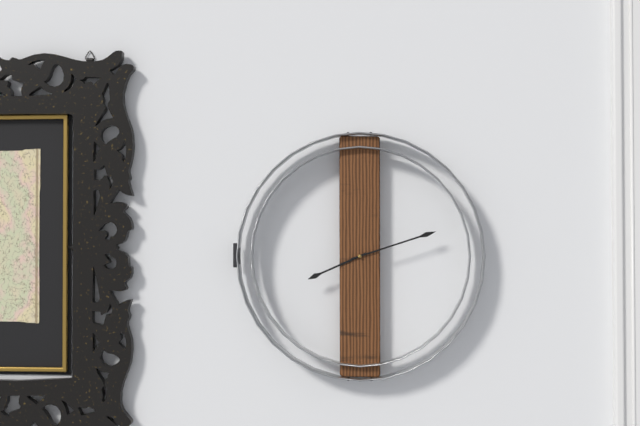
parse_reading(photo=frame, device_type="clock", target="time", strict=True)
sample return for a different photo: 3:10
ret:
8:12
